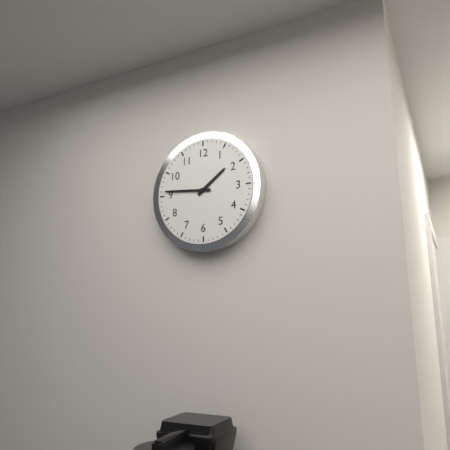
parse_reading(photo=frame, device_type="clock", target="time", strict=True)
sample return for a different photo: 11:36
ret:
1:46
